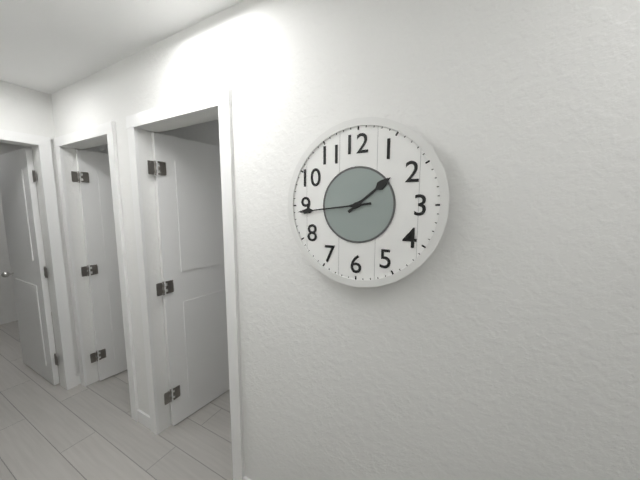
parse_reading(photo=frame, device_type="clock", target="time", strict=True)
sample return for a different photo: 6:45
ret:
1:44
